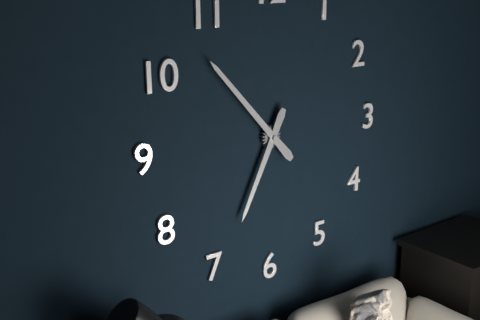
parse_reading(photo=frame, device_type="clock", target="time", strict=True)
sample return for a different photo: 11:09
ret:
6:53
